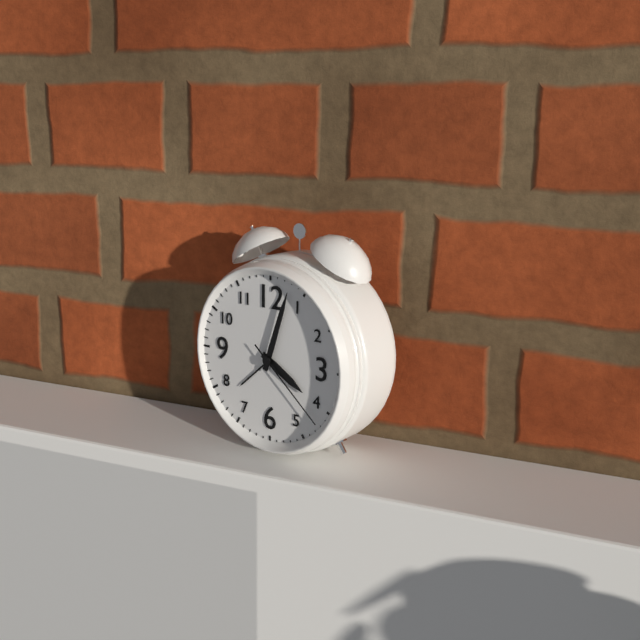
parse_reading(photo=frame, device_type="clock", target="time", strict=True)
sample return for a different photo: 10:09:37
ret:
4:03:22
